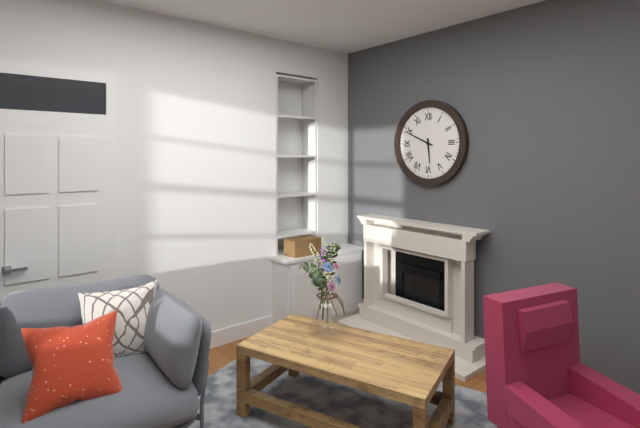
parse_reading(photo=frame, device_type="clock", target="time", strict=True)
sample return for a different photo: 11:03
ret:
5:49
